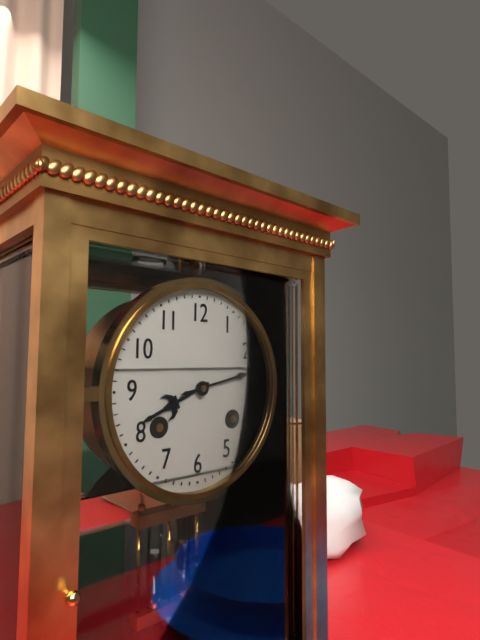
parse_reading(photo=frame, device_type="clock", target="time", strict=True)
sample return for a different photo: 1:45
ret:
8:13
